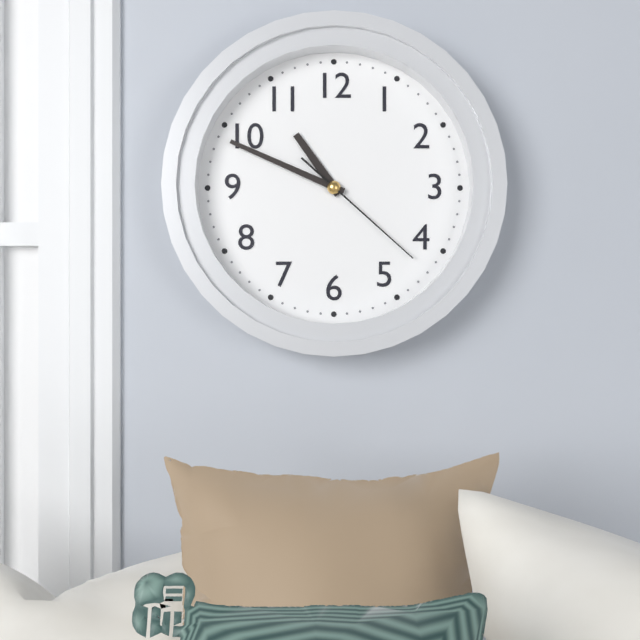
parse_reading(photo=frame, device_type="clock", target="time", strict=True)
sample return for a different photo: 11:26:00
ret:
10:49:22
